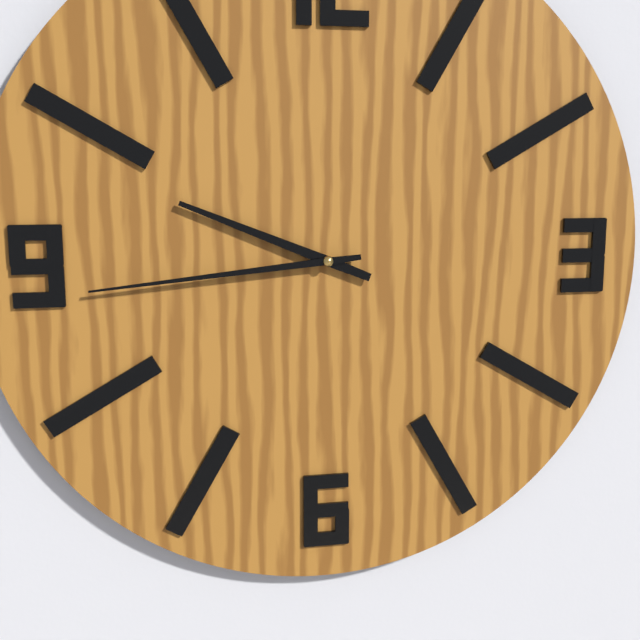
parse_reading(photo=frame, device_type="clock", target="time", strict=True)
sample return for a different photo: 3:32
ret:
9:44
